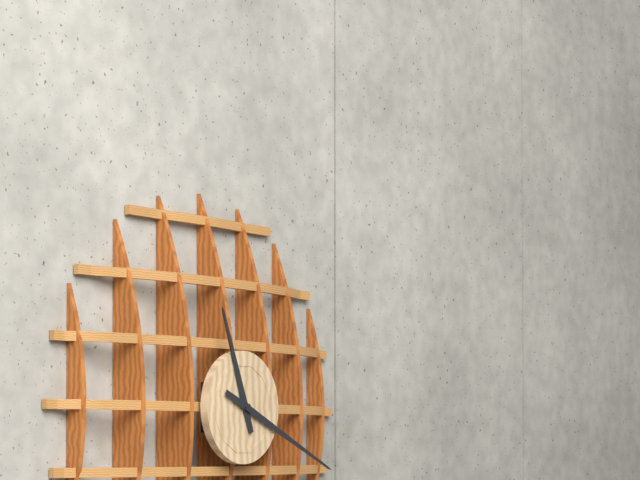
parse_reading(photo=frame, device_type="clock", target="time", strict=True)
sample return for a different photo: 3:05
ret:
11:19
